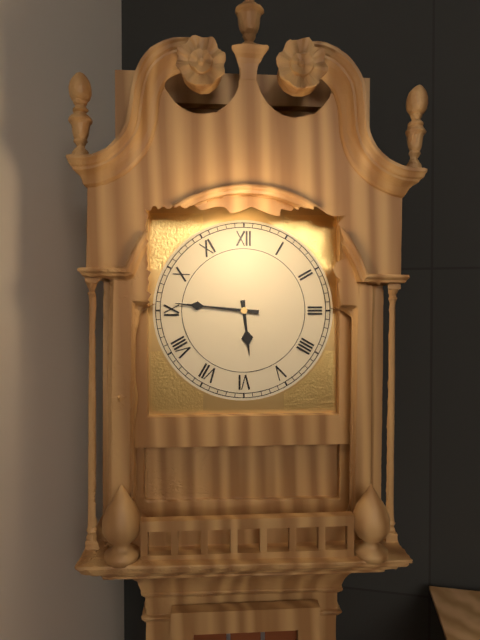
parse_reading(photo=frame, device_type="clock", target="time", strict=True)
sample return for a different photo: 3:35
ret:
5:46
